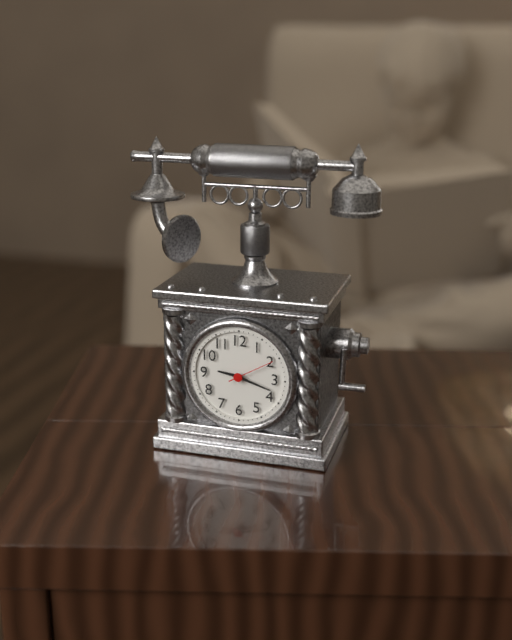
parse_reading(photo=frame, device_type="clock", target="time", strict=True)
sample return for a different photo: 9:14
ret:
9:18
